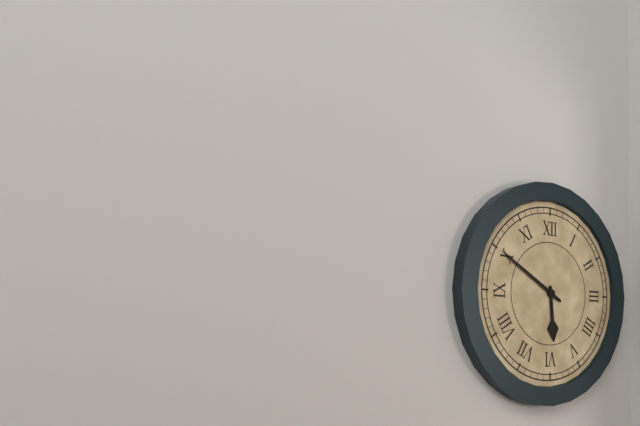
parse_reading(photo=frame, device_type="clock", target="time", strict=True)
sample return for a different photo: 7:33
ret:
5:50
